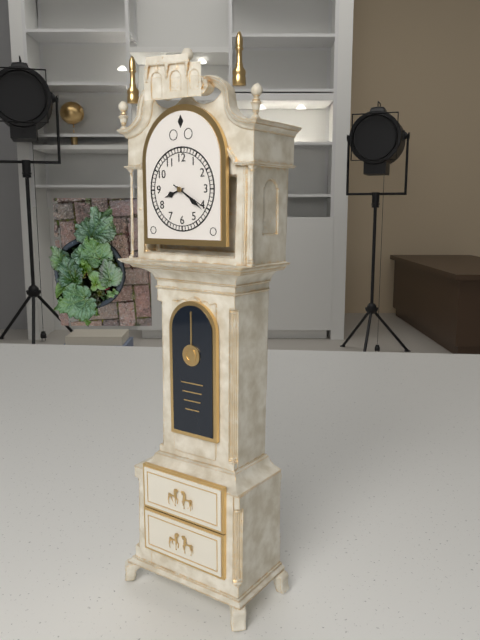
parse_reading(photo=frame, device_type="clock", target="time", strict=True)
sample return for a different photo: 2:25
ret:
8:21
